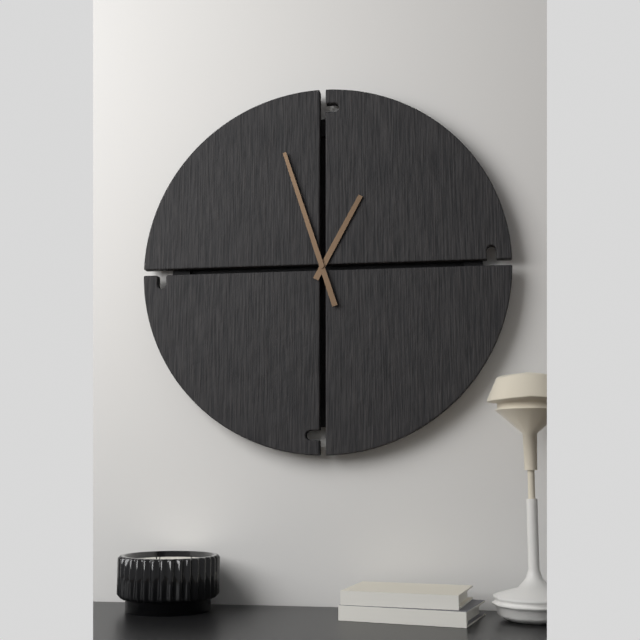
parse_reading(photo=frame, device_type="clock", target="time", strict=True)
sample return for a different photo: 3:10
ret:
12:57
